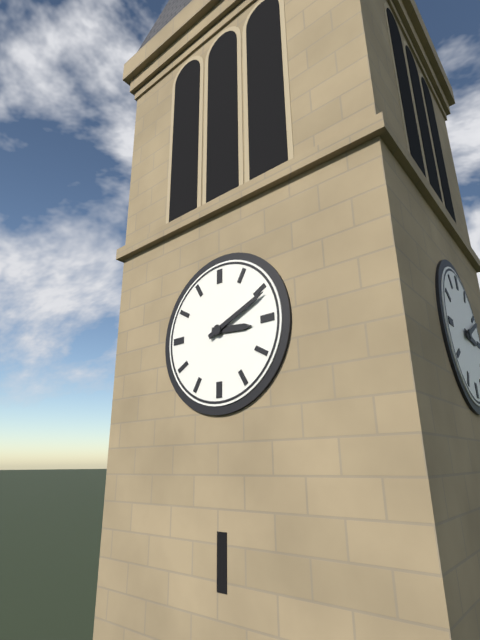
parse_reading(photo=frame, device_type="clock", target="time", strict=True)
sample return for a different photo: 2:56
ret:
3:11
